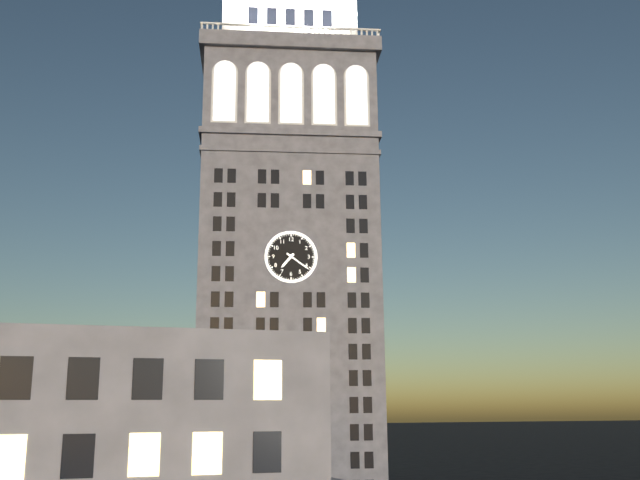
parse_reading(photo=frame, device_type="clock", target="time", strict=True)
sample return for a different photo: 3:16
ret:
7:21
